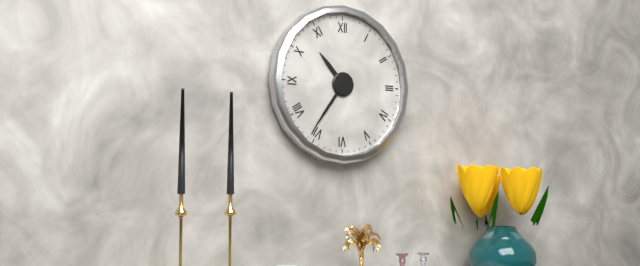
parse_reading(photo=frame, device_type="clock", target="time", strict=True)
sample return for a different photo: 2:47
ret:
10:36
